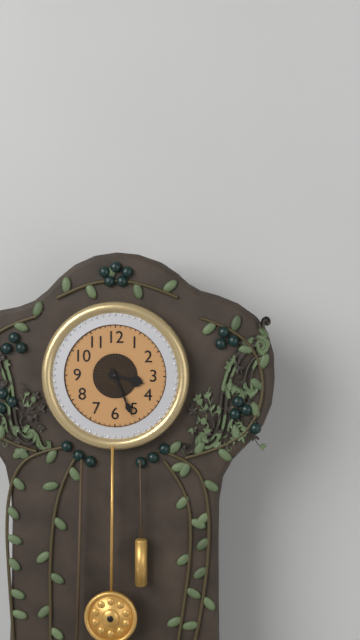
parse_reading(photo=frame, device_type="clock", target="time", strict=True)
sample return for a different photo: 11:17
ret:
3:26
